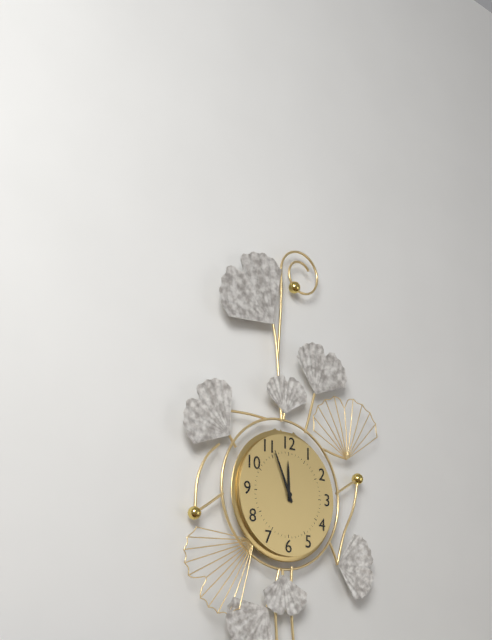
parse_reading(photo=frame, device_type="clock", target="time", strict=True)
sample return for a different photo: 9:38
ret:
11:56
